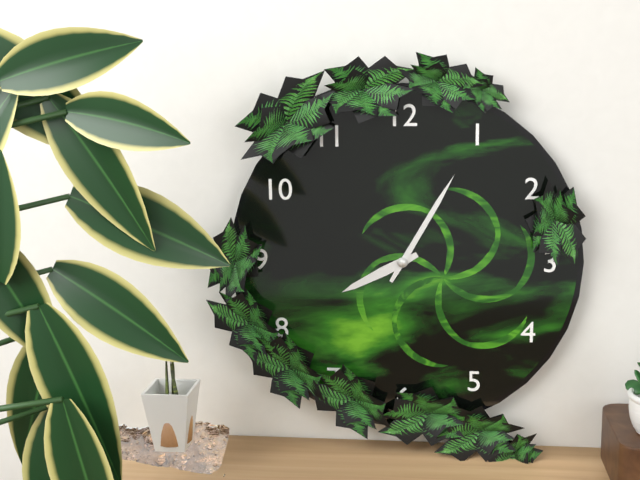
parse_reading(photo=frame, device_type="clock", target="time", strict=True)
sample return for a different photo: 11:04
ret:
8:05
